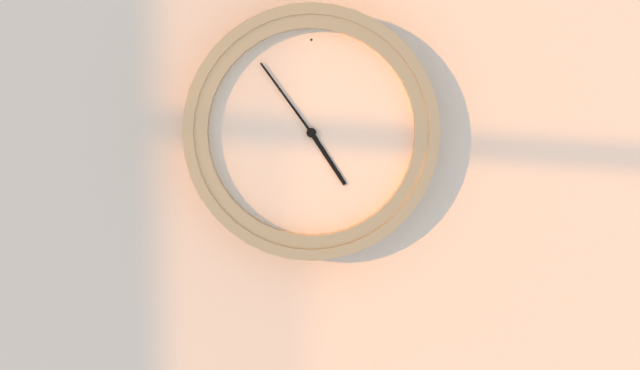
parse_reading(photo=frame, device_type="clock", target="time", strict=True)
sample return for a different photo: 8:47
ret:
4:54
